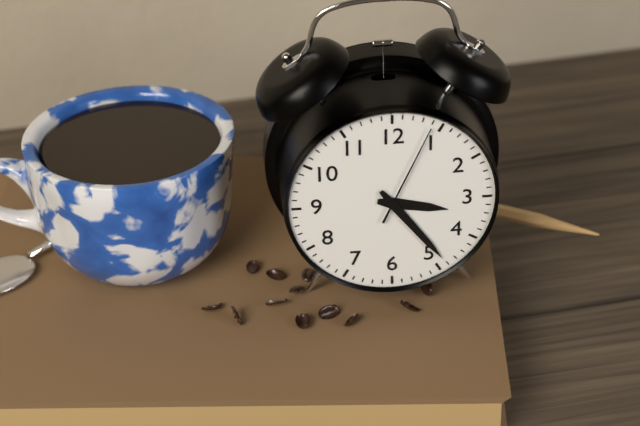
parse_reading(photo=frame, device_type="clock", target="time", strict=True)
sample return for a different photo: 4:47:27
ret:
3:24:04
